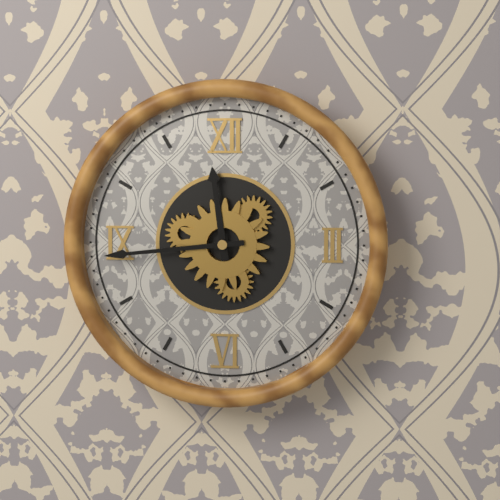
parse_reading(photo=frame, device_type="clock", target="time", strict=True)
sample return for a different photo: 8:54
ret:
11:44
